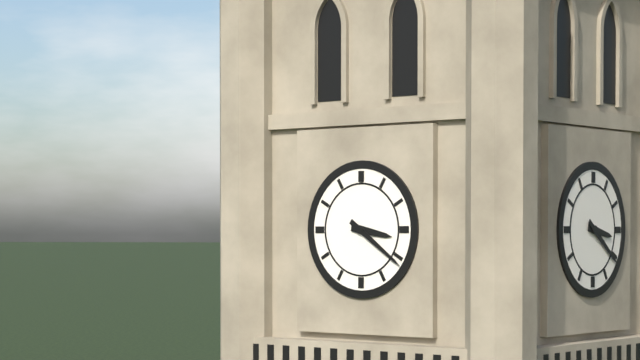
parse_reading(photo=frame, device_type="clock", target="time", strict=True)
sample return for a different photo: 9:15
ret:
3:21
